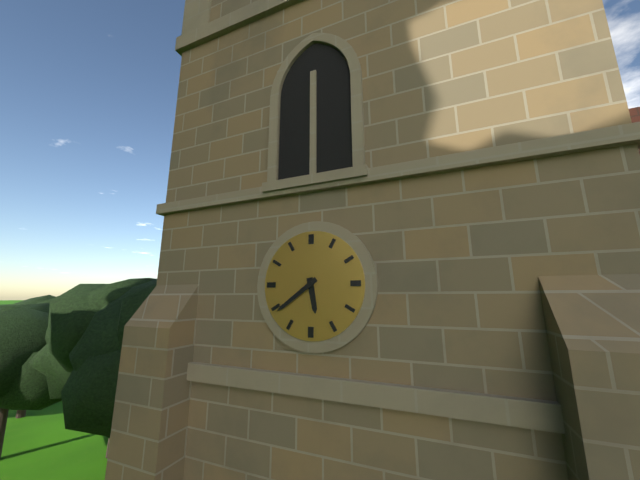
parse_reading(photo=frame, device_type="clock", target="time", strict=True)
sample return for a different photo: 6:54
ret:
5:39
